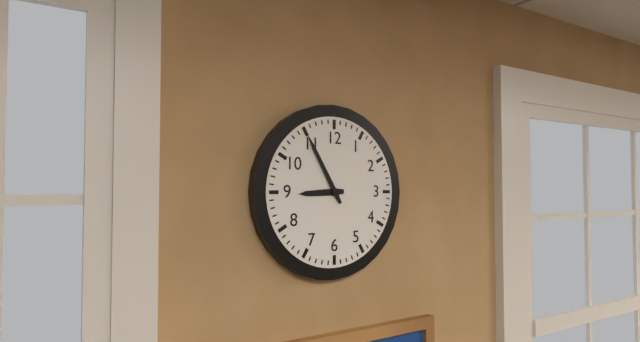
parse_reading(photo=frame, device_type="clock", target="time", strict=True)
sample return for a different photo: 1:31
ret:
8:55
